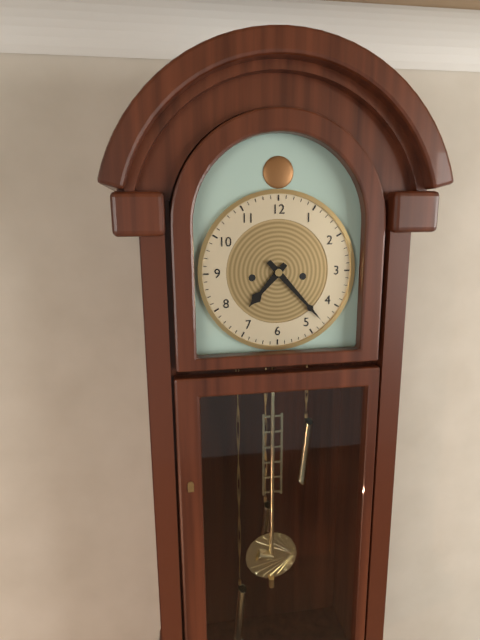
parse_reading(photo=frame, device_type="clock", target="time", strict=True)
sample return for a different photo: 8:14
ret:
7:23
